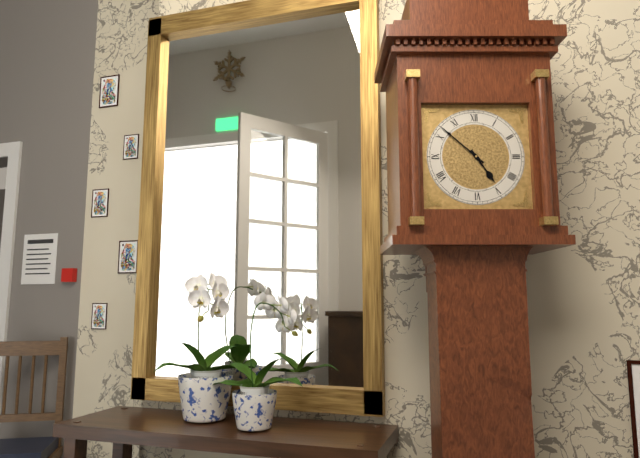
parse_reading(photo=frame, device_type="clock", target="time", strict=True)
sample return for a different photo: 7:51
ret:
4:52
